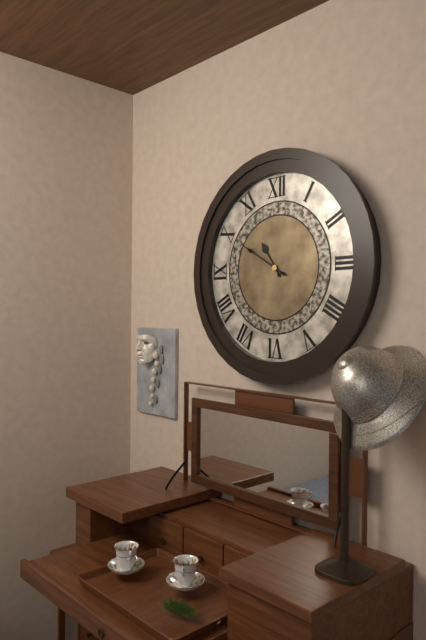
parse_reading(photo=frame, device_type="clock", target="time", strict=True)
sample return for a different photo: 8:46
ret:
10:50
